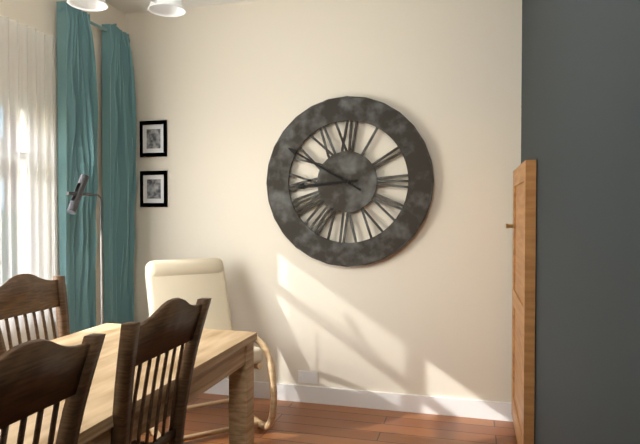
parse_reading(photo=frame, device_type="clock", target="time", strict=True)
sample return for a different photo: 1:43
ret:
8:50
